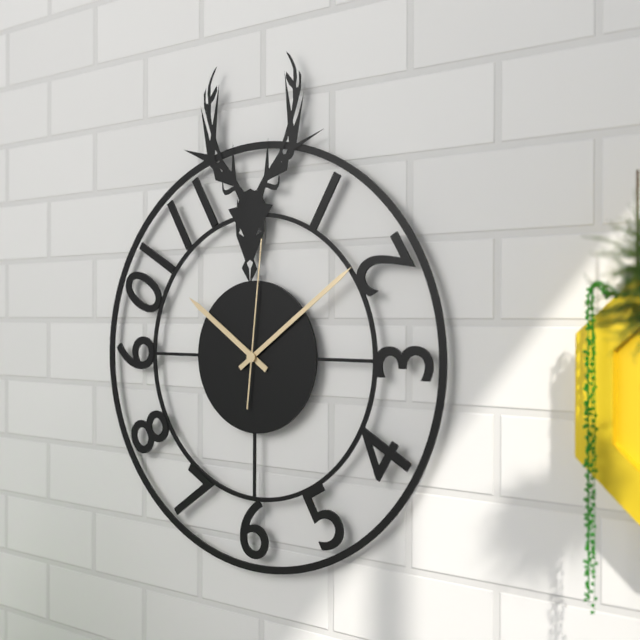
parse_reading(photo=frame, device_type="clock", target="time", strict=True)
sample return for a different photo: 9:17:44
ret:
10:09:01
